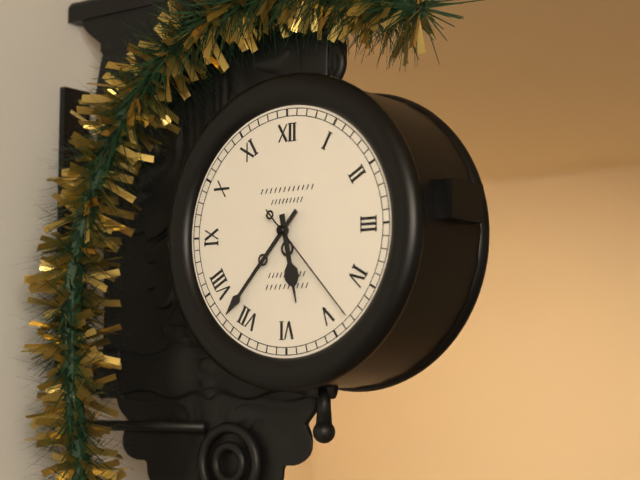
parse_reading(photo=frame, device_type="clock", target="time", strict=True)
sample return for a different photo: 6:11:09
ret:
5:37:23
